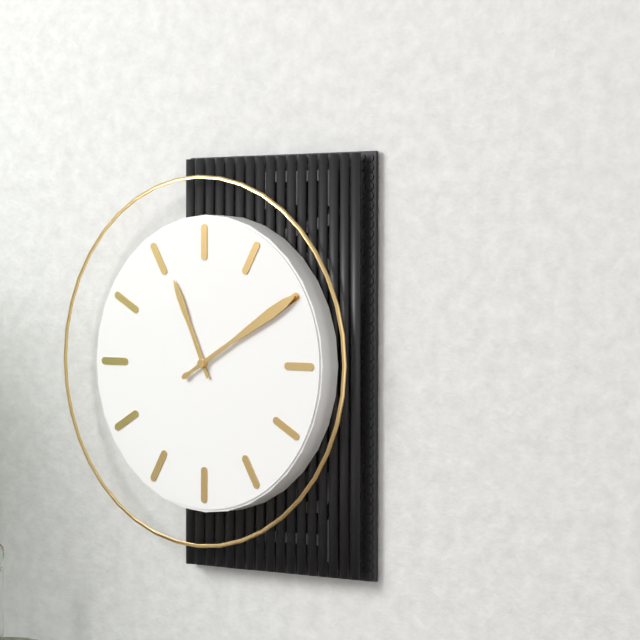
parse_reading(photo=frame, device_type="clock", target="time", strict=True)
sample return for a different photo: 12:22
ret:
11:10
